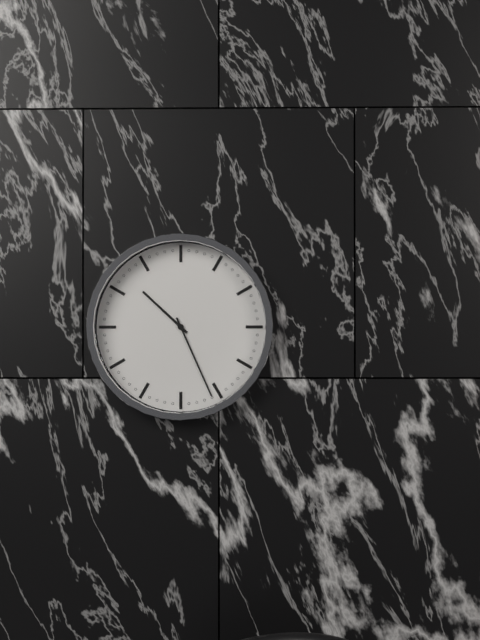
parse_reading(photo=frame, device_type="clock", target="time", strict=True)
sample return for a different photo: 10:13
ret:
10:26
